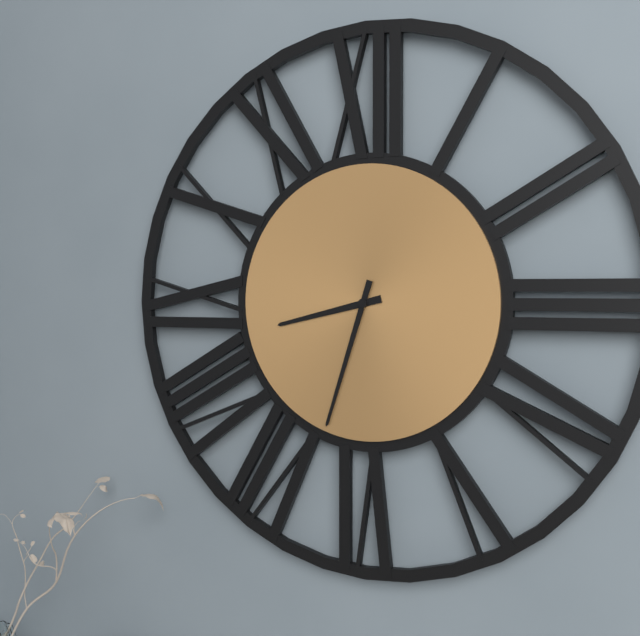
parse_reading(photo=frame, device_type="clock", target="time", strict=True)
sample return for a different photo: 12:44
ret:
8:33
